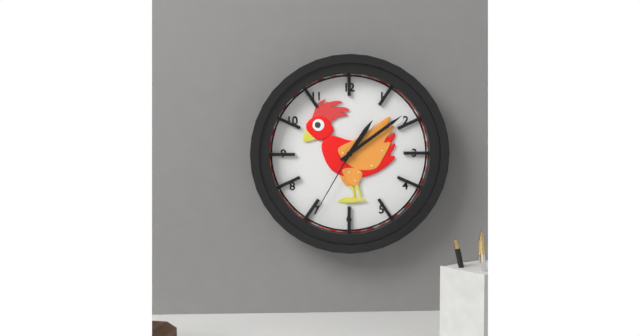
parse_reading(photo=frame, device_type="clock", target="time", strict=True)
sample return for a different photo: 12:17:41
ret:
1:09:35
